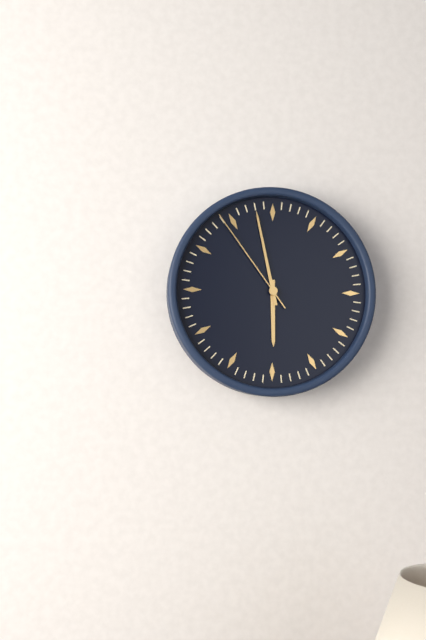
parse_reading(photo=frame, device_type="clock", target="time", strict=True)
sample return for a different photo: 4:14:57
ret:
5:58:54
